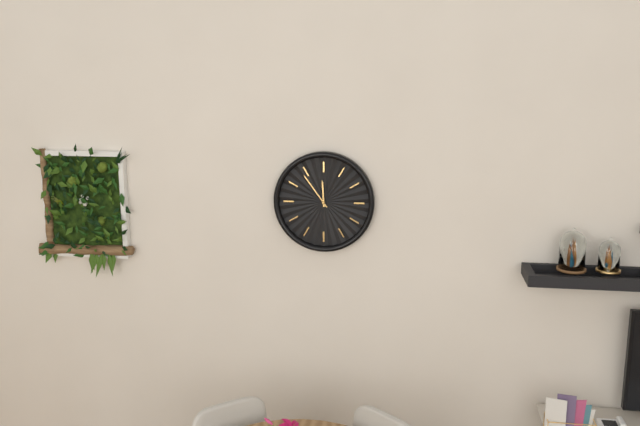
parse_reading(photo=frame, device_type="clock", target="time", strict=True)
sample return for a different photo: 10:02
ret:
11:54
